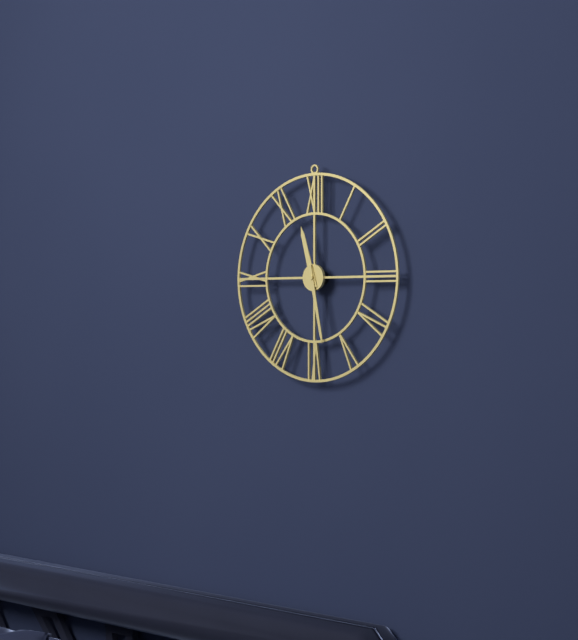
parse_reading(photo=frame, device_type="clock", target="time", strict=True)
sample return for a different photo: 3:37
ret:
11:28
